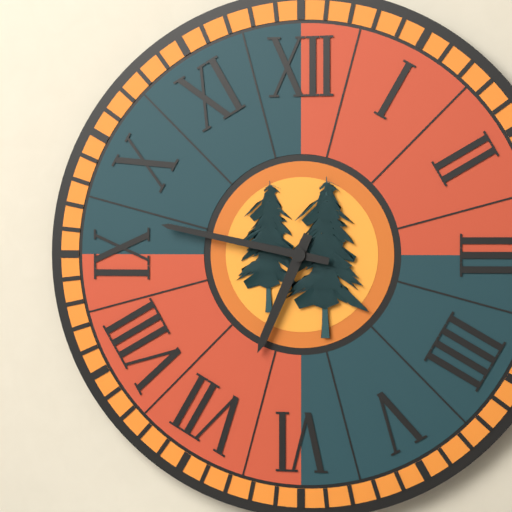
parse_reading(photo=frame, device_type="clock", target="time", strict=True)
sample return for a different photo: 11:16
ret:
6:47
